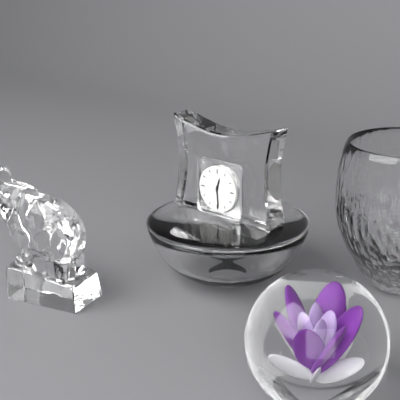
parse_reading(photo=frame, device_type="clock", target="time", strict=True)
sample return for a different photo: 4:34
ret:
12:29
